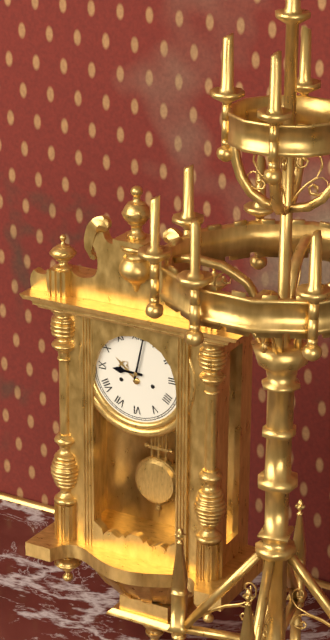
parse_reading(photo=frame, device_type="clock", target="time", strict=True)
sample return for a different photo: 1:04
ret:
9:02
